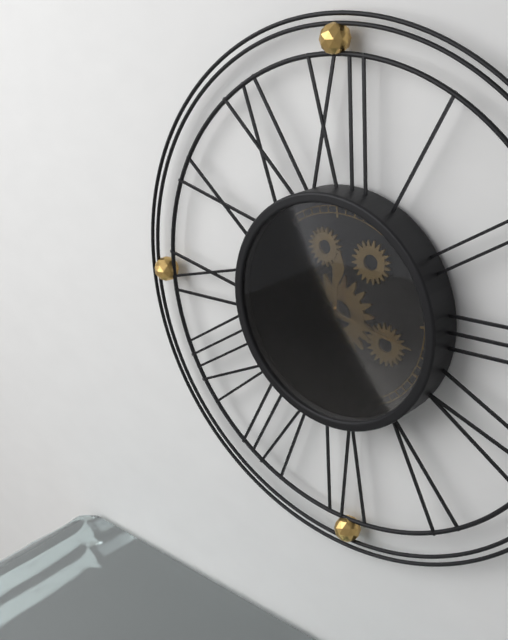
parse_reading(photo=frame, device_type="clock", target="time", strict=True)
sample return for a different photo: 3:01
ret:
12:17
